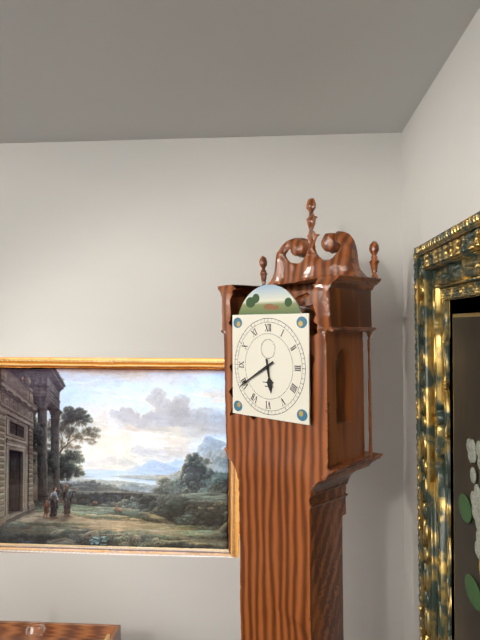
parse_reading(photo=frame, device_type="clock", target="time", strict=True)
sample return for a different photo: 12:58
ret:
5:40
